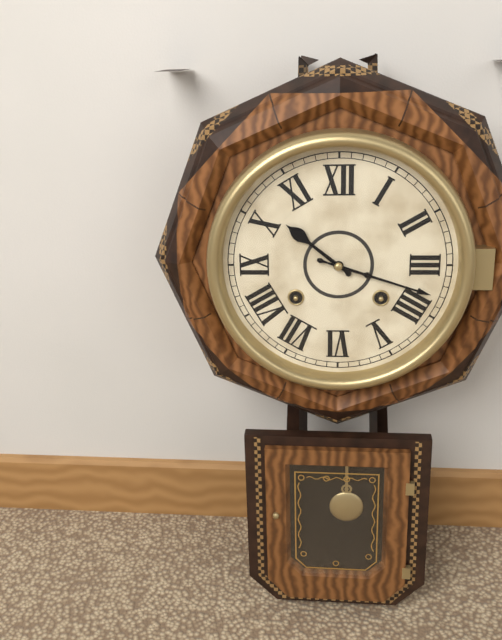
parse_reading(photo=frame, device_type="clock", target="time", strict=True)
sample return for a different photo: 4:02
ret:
10:18
